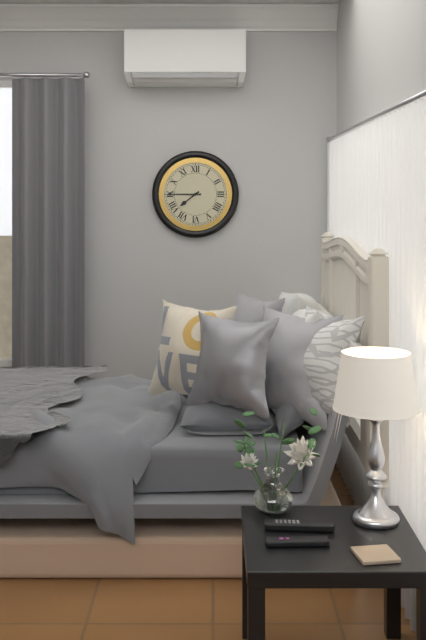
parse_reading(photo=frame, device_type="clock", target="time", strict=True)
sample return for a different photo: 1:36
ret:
7:45
